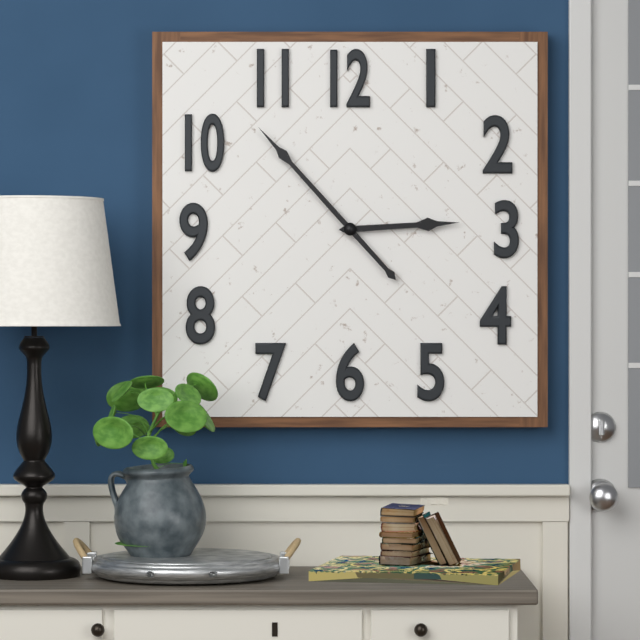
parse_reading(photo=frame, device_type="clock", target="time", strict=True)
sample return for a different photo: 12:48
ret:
2:53
